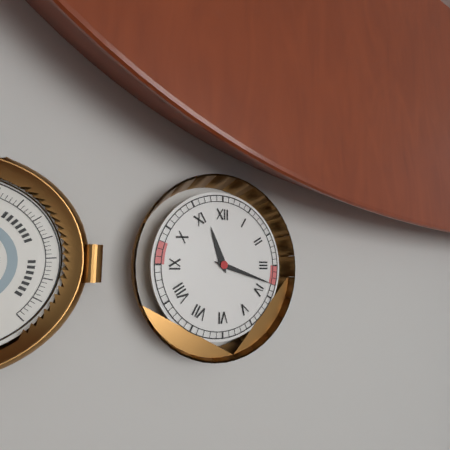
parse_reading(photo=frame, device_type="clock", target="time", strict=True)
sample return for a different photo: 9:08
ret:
11:18
